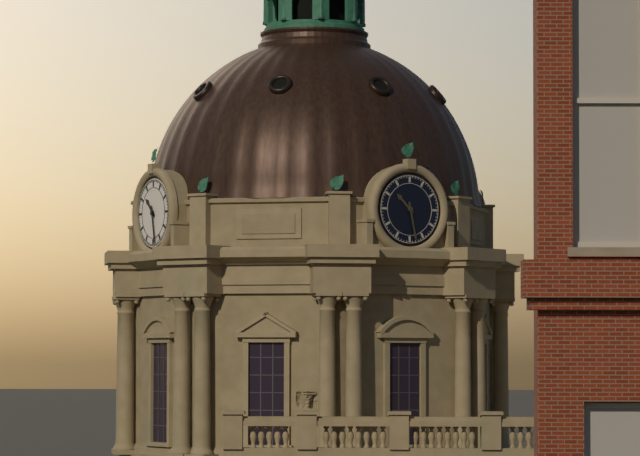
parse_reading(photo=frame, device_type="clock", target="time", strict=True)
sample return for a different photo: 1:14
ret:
10:28
